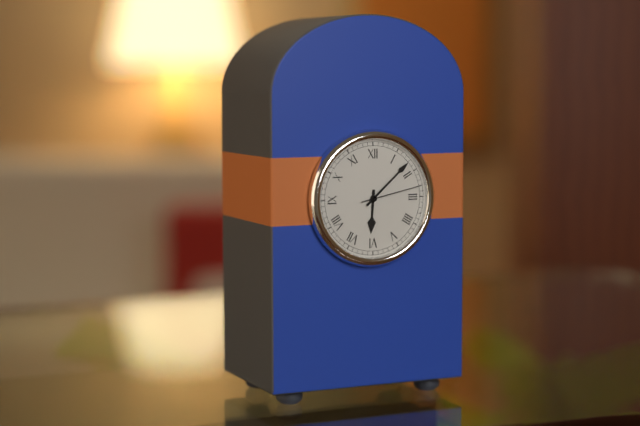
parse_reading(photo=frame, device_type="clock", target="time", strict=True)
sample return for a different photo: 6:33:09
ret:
6:08:13
